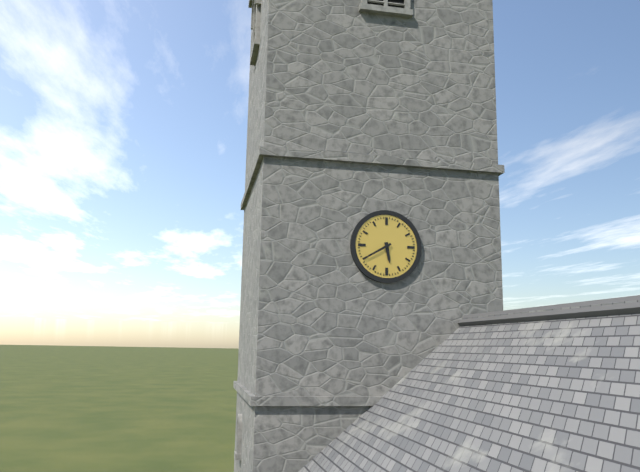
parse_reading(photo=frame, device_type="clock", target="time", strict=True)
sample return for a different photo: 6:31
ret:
5:40
